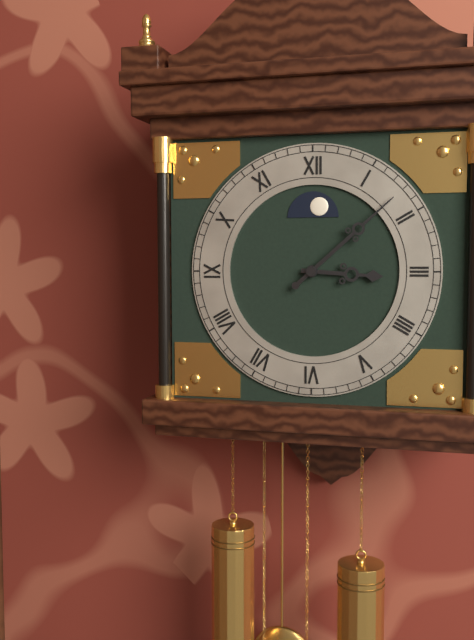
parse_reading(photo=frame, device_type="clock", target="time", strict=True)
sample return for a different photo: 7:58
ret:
3:08
